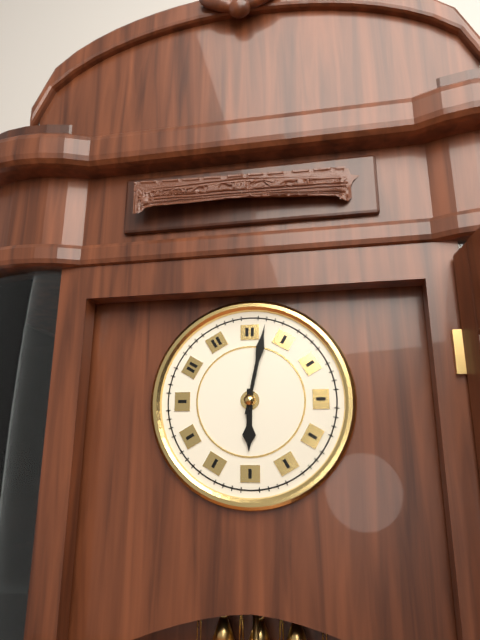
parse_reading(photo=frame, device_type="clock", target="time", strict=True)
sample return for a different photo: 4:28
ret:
6:02
